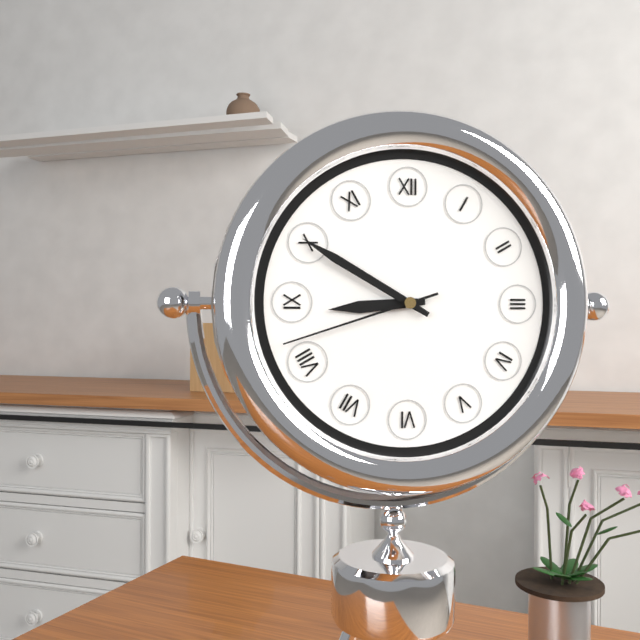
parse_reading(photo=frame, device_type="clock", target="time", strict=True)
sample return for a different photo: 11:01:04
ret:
8:50:42
